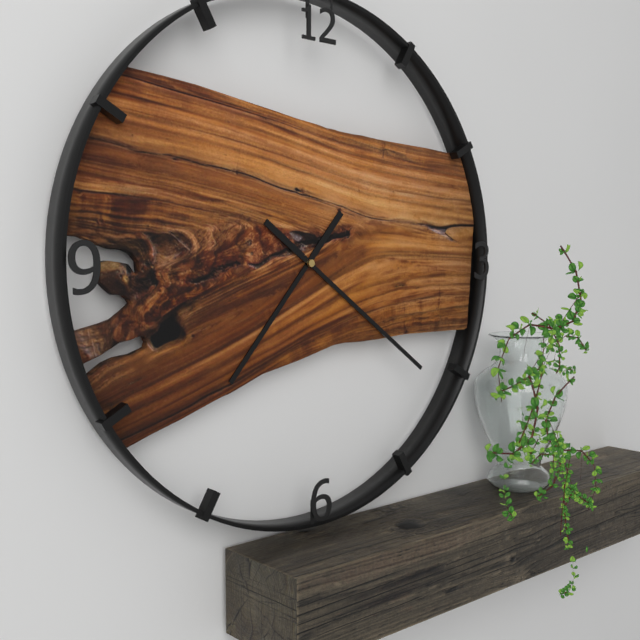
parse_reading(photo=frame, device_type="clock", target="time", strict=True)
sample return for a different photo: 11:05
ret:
7:21
